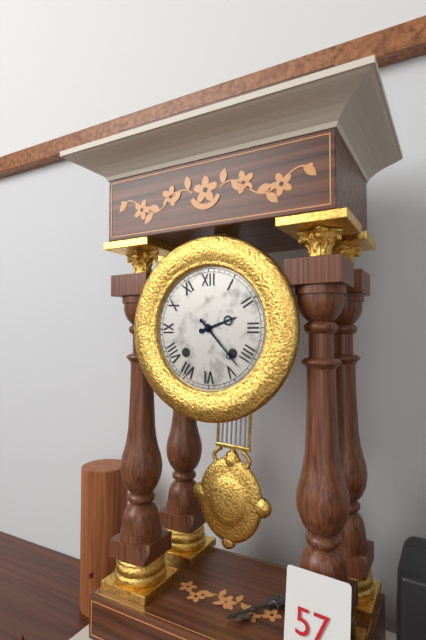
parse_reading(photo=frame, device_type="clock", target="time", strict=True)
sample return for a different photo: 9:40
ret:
2:23
